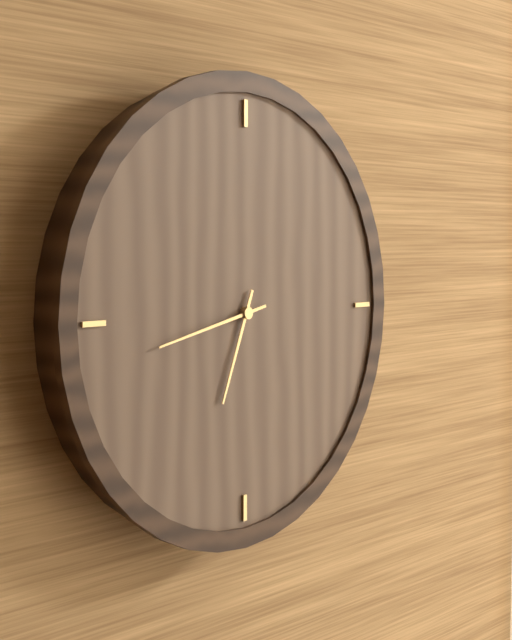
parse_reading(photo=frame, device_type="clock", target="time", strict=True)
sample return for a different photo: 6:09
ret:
6:43
